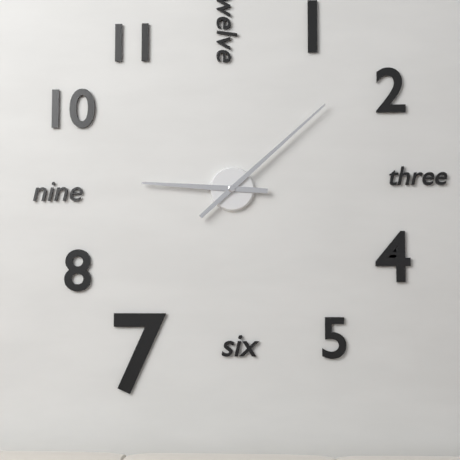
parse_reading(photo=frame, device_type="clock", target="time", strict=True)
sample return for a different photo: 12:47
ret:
9:08
